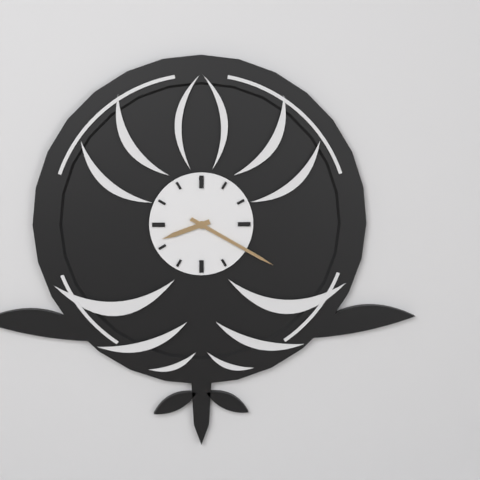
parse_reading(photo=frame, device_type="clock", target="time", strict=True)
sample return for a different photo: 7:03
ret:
8:20
